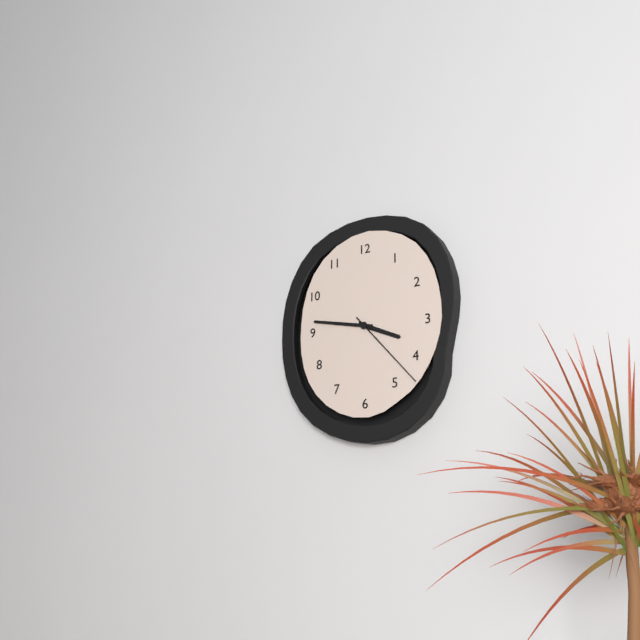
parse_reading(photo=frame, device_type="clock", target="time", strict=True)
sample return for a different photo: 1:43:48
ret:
3:47:23
